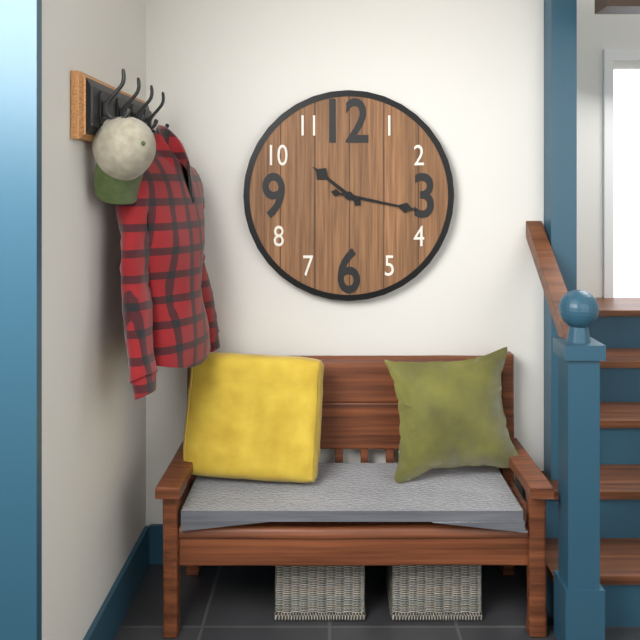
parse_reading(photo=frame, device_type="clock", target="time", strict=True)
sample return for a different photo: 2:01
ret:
10:17
